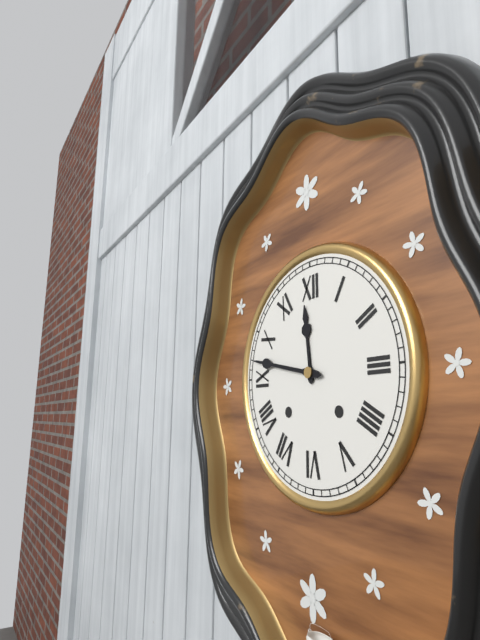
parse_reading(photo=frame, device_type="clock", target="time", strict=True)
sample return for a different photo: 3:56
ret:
11:47
